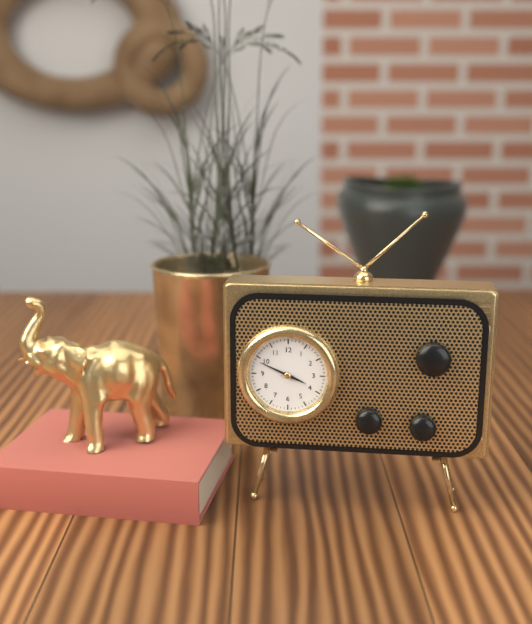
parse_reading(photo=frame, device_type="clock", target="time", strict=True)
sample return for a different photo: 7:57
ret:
3:49
